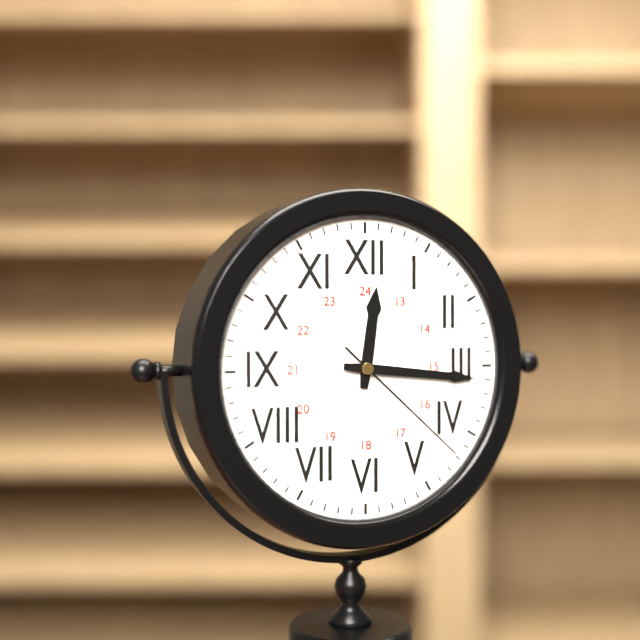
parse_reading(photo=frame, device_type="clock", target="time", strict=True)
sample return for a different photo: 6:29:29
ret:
12:16:22
